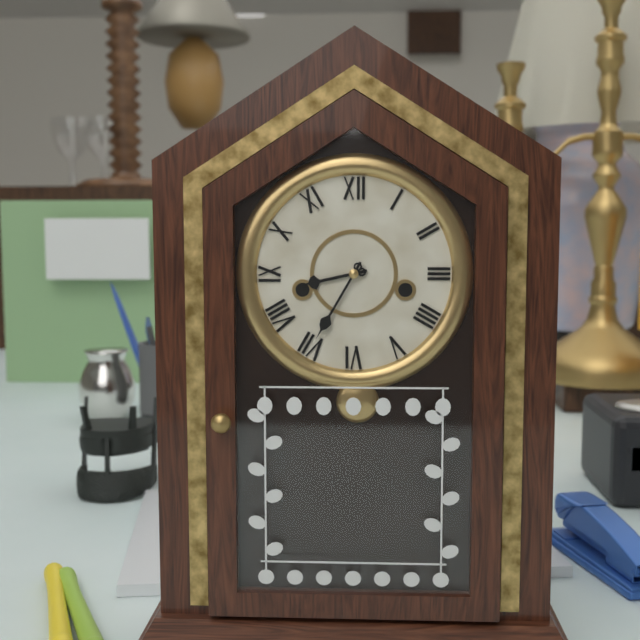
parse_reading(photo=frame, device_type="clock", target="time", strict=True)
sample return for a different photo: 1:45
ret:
8:35
